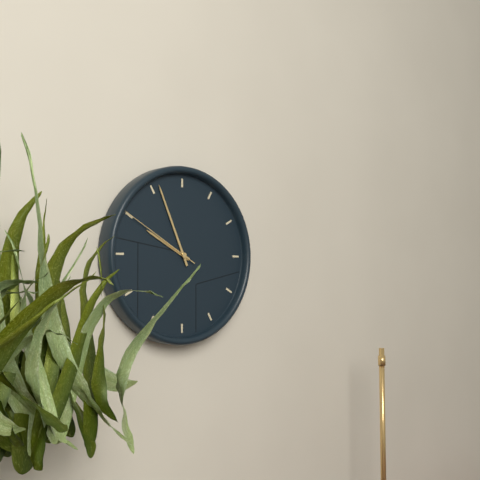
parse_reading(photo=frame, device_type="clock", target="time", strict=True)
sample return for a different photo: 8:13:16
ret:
9:56:50
